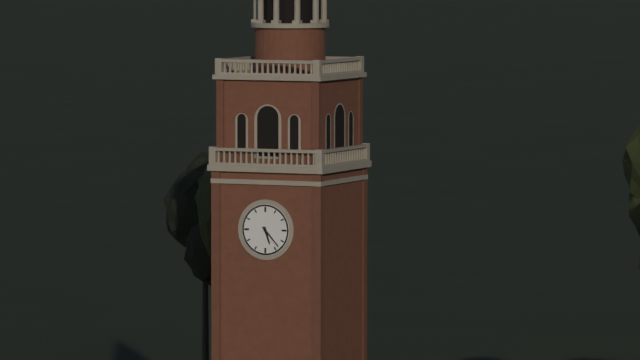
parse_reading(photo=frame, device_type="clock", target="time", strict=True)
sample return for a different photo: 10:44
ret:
5:23
